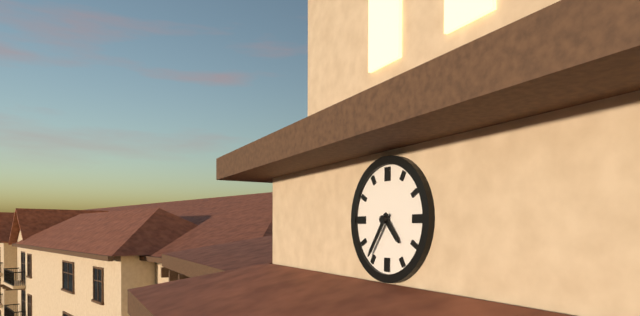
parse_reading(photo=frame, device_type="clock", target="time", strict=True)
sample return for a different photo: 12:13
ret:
4:36
